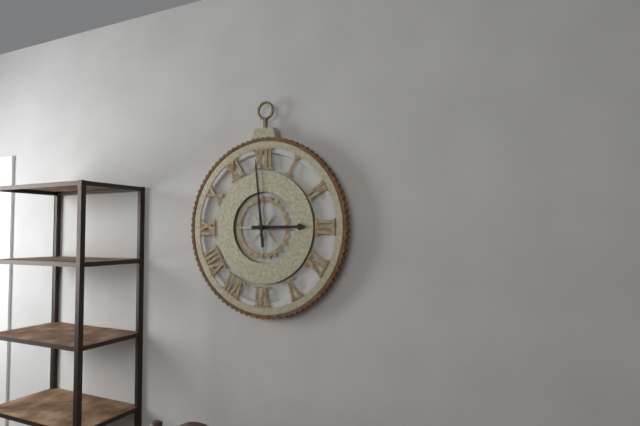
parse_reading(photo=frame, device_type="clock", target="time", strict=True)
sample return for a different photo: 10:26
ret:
2:59
